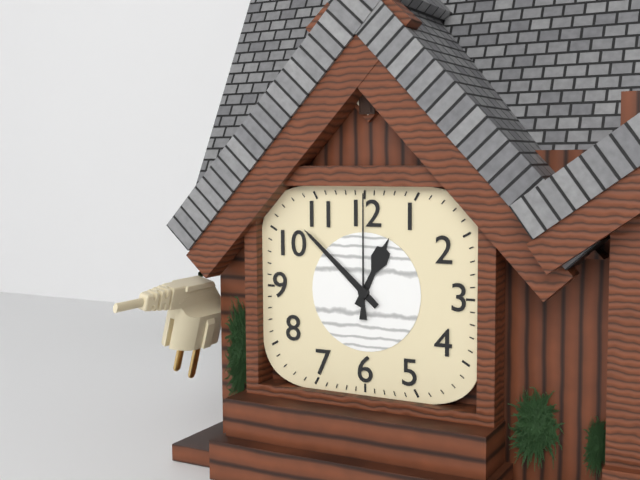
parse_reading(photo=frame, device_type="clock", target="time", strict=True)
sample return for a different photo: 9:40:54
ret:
12:52:00
